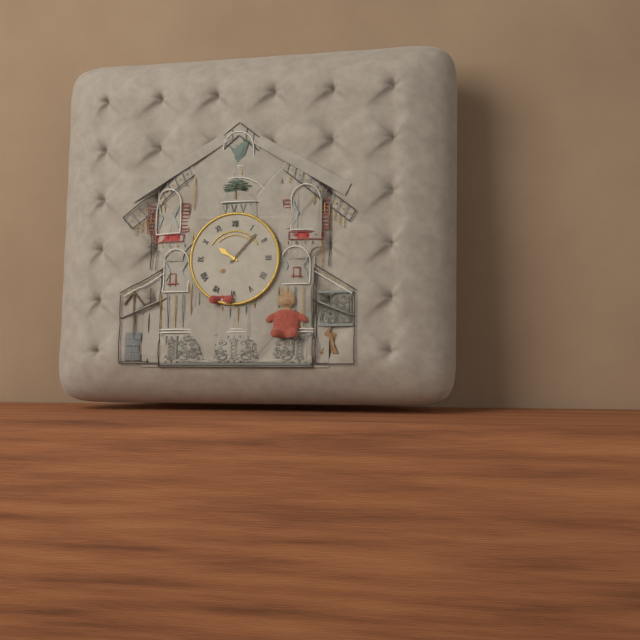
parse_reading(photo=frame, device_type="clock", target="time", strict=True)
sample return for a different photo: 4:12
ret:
10:07
